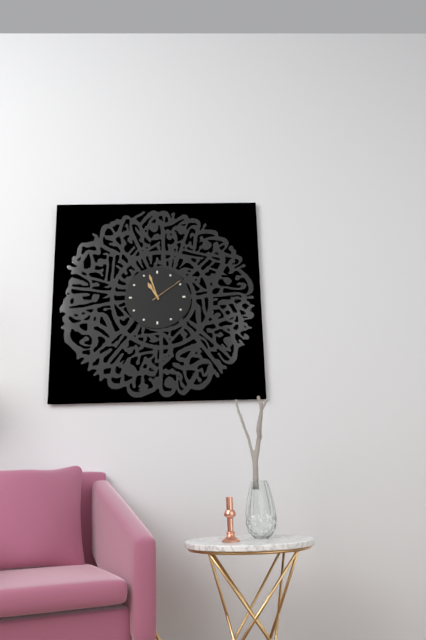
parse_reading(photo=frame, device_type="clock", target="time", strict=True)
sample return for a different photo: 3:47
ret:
10:57
